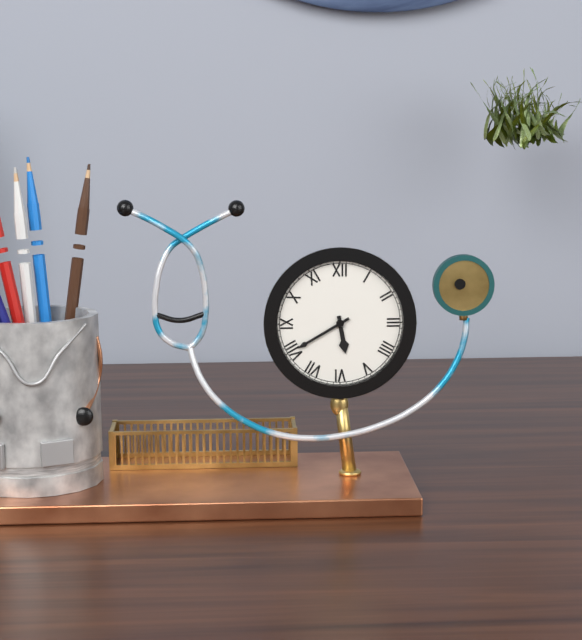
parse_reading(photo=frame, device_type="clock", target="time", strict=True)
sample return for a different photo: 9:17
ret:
5:40
